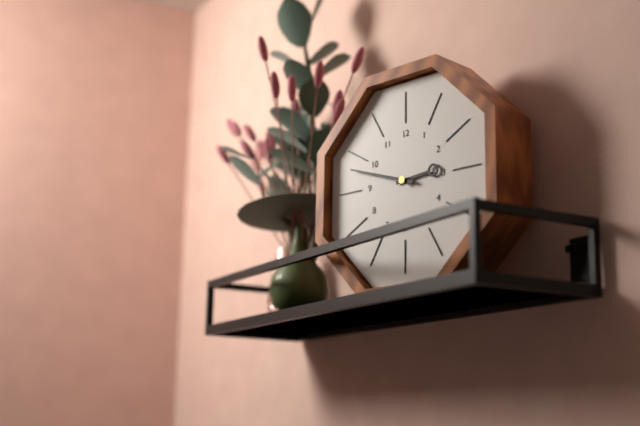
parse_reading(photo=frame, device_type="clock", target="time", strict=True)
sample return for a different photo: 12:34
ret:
2:48
